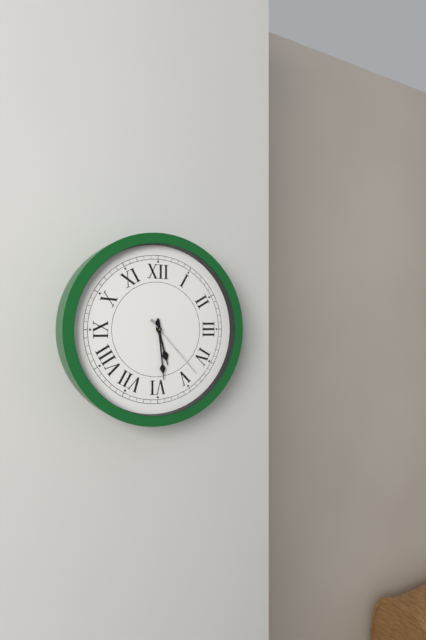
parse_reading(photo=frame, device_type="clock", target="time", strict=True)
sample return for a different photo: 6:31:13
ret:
5:29:23
